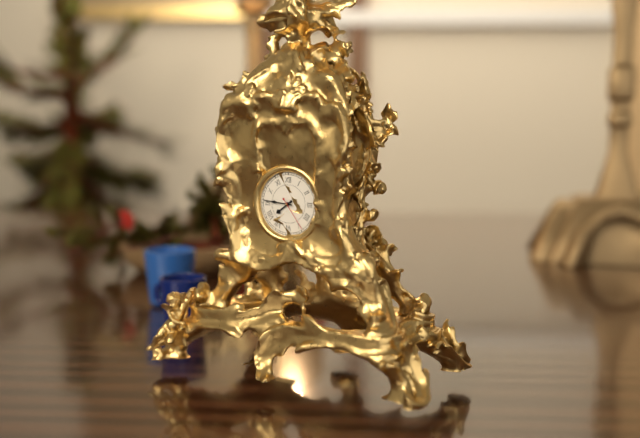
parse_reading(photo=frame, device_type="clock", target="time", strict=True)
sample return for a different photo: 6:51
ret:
7:46
